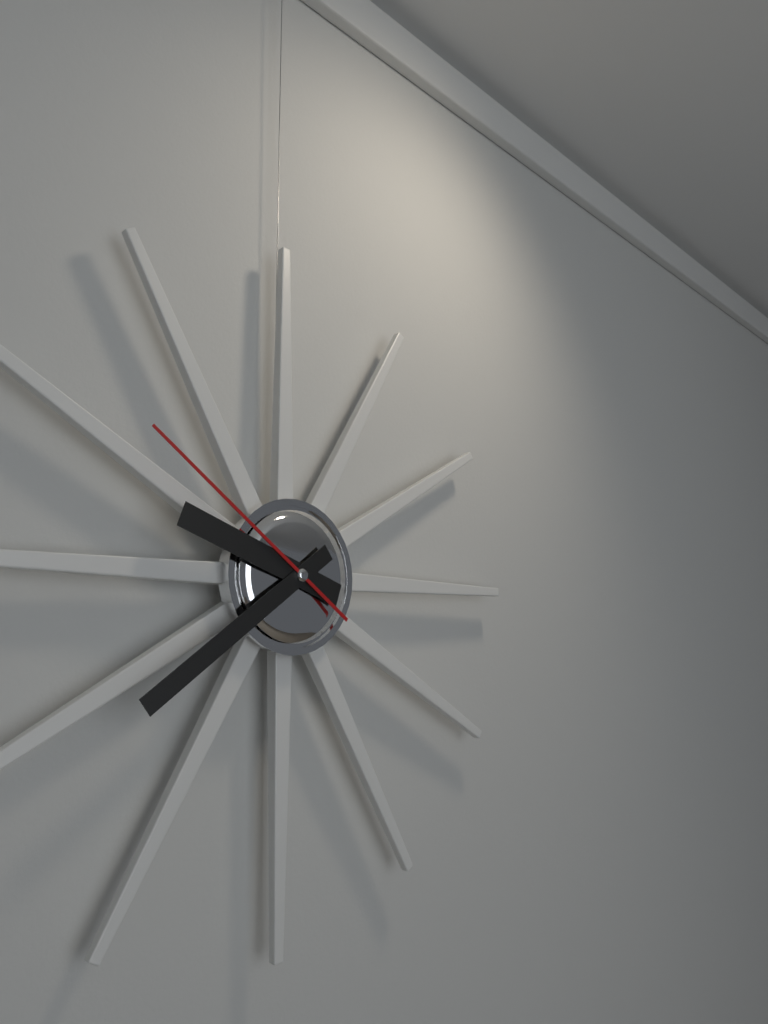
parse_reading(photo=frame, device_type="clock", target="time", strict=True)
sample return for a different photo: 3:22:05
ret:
9:39:51
